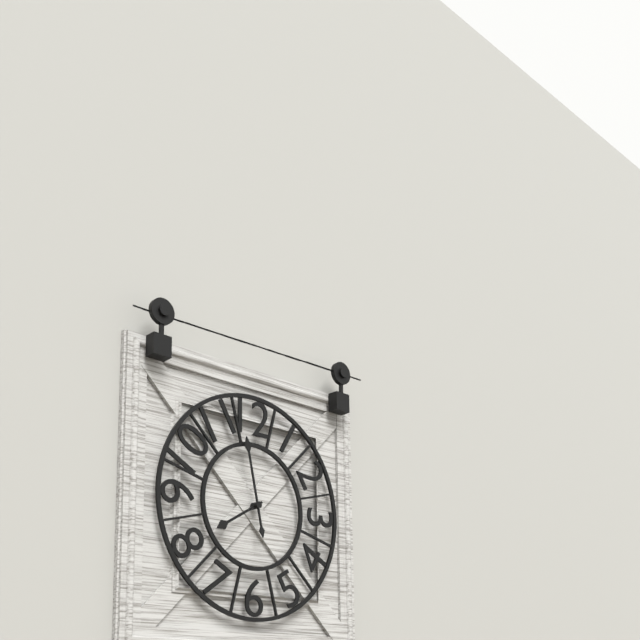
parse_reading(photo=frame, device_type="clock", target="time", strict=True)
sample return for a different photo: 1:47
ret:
7:58
